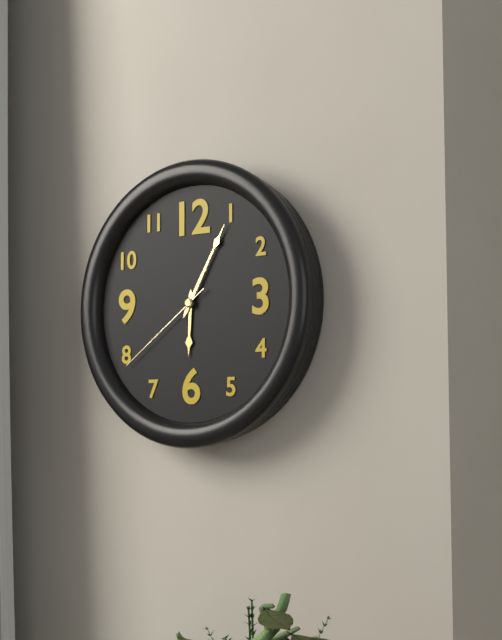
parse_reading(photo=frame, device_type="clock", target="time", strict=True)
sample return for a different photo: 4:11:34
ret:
6:05:39
